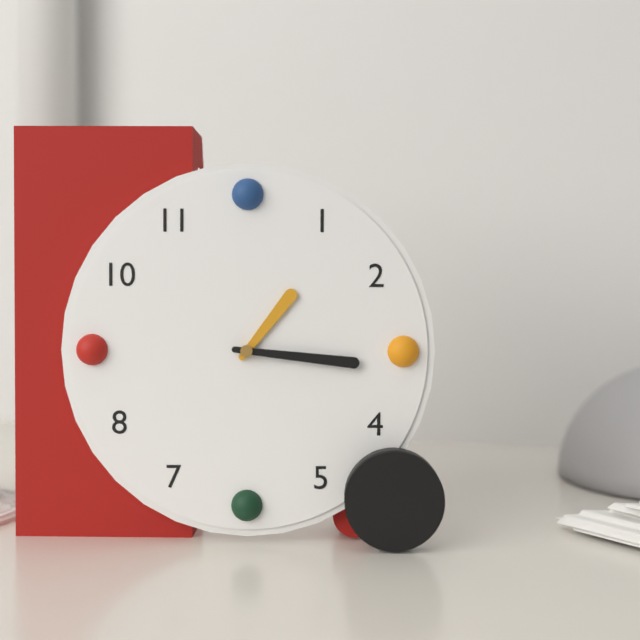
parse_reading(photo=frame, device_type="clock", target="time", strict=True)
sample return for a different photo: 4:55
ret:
1:16
